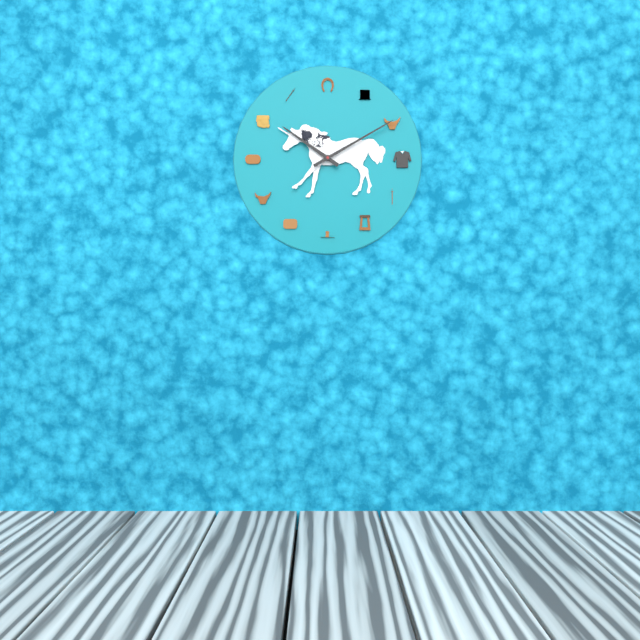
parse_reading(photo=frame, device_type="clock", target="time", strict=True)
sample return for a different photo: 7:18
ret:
10:10
